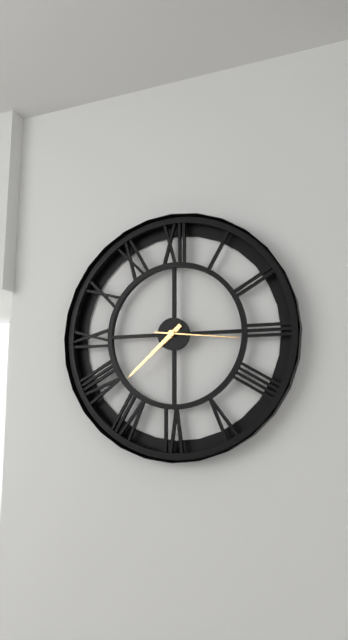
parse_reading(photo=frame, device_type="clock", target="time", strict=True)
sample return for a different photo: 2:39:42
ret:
7:38:16
